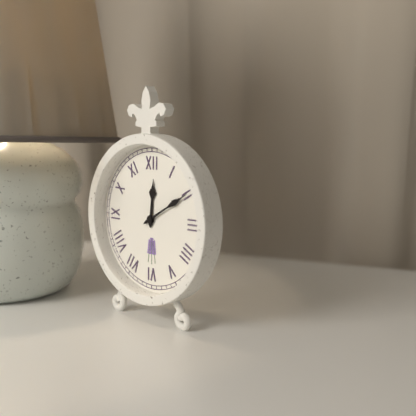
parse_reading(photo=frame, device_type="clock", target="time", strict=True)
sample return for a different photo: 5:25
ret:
12:10
